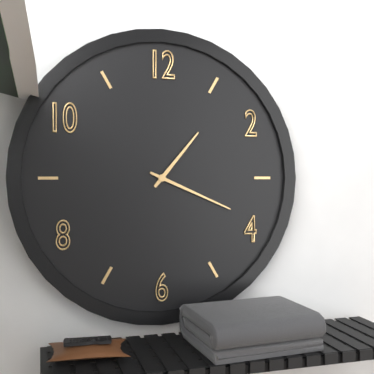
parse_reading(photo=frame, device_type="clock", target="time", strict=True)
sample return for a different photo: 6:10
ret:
1:19
